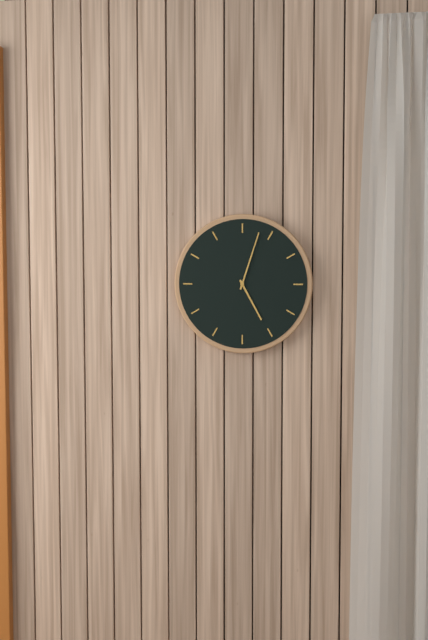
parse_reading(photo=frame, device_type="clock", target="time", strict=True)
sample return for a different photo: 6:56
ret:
5:03
